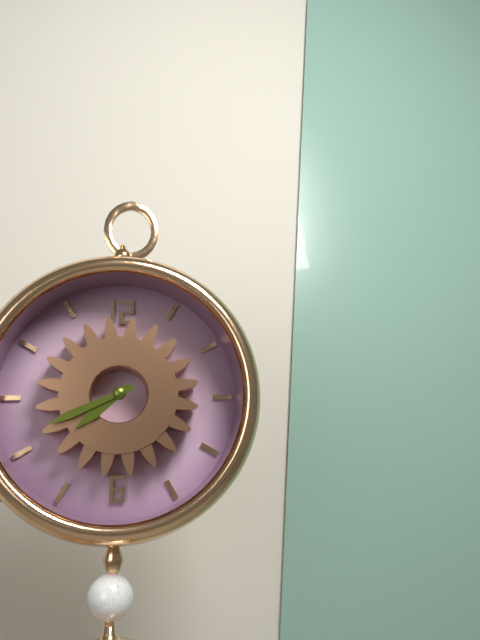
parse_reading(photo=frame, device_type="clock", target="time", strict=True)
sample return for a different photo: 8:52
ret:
7:41
